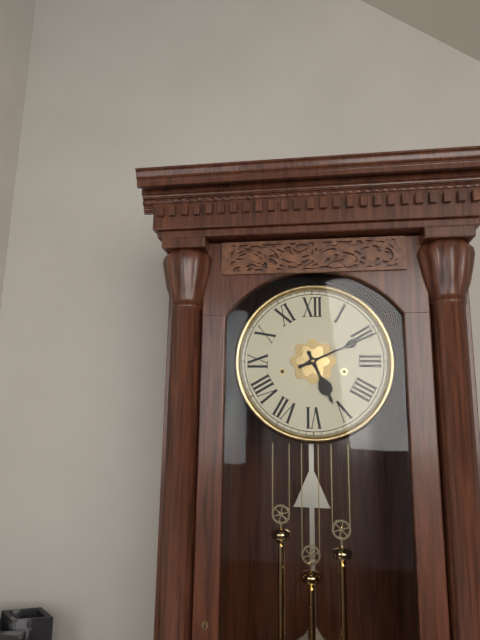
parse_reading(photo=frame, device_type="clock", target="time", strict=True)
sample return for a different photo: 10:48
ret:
5:11
